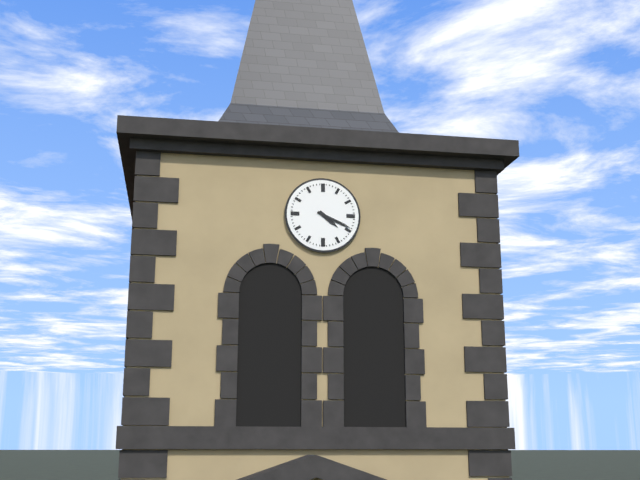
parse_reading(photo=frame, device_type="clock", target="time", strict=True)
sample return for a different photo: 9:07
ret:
4:19
